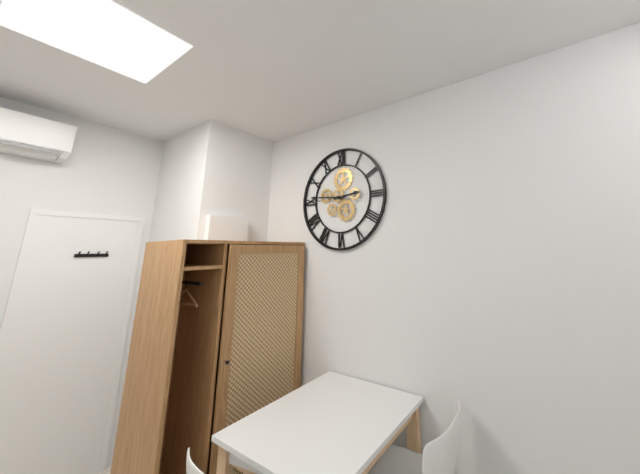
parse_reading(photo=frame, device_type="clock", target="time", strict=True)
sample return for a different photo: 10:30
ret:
2:46
